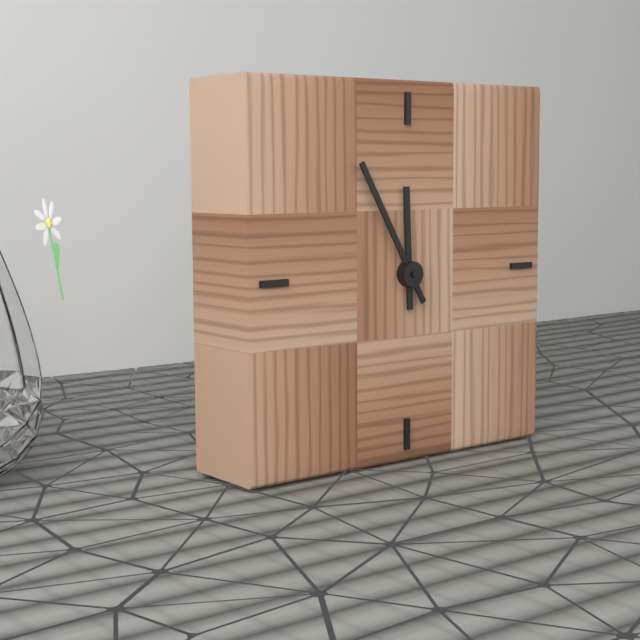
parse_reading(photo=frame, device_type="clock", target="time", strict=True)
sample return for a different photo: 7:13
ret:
11:55
